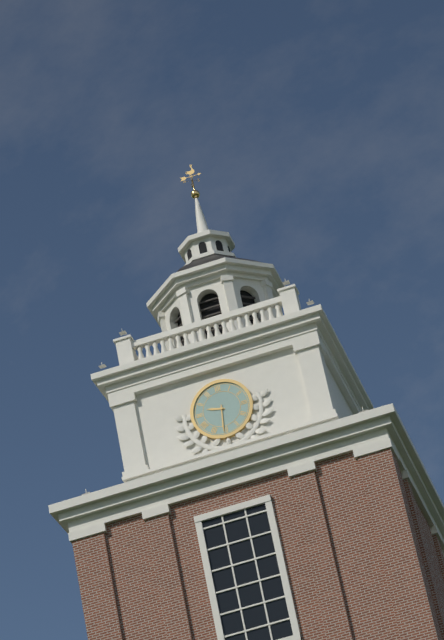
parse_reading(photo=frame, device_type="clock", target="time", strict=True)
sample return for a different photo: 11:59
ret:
9:31
